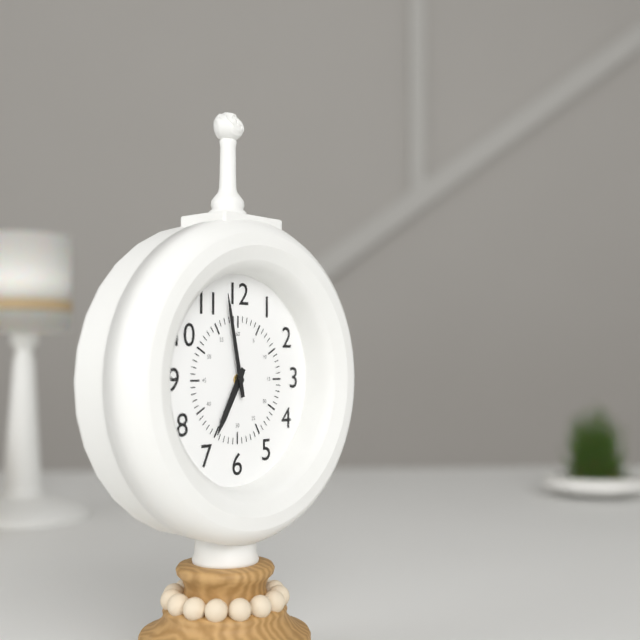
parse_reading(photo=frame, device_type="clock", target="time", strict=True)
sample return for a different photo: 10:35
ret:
6:58
